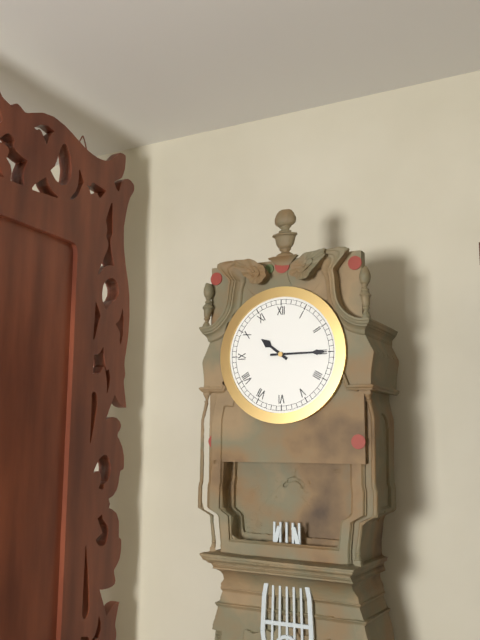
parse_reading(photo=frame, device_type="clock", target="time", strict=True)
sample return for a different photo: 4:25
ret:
10:15
